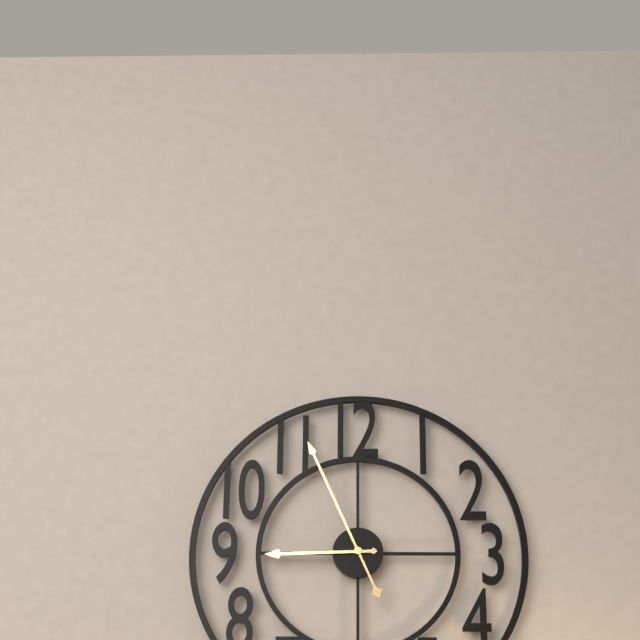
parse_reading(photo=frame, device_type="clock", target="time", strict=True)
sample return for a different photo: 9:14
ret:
8:56
